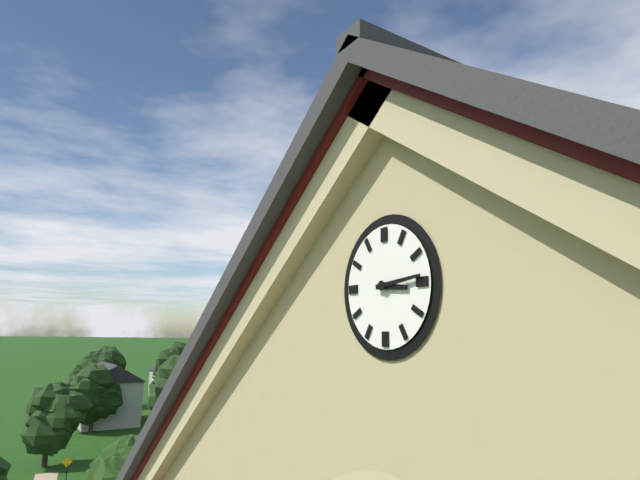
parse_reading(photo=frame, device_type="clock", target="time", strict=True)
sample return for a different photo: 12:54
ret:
3:14
